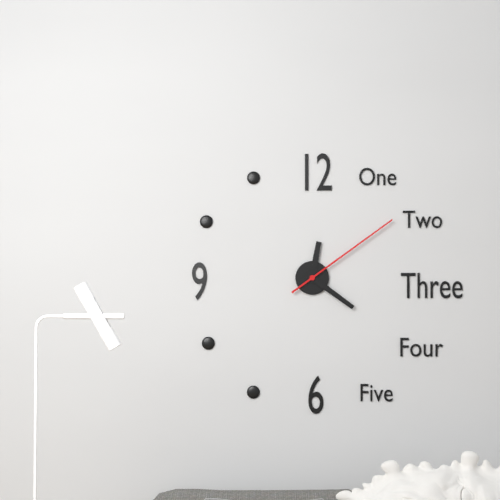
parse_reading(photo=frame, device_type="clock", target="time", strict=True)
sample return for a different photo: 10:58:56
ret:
12:21:09
